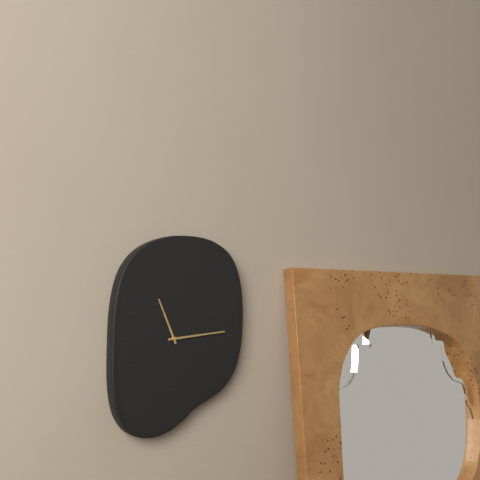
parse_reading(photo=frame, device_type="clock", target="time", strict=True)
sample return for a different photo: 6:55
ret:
11:14
